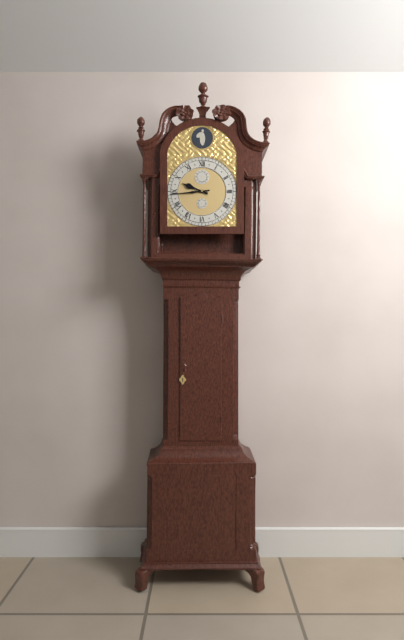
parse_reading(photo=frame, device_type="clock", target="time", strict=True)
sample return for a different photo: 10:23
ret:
9:44
